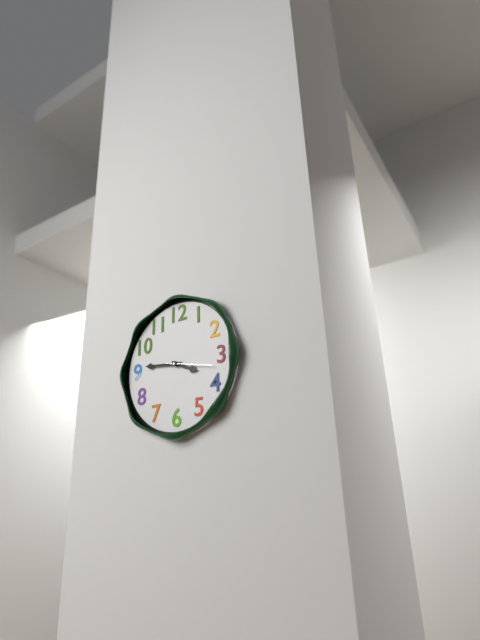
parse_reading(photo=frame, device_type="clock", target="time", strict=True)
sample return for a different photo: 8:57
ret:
3:46
